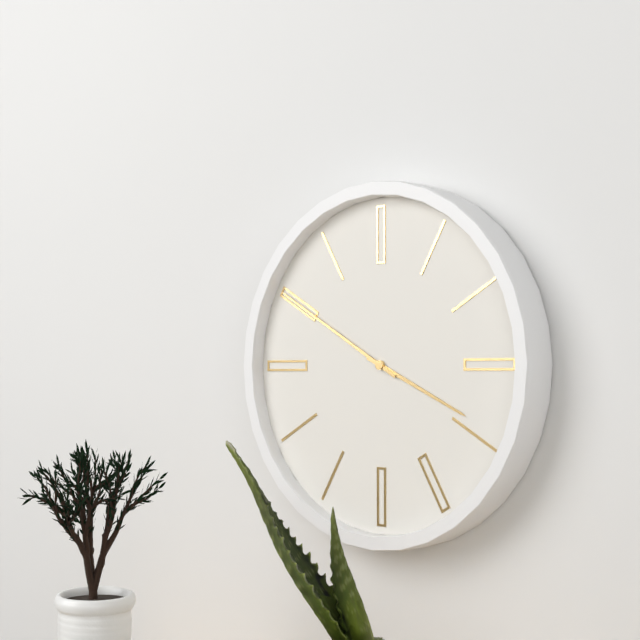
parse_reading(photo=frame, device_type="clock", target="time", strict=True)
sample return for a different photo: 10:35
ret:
3:50
